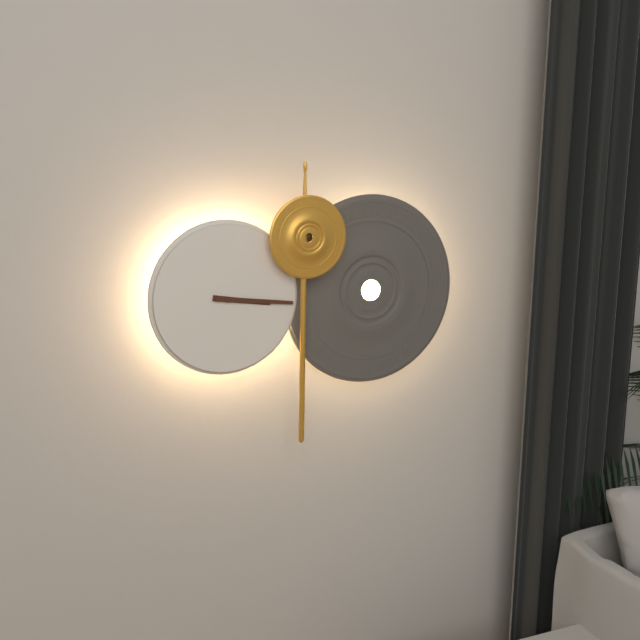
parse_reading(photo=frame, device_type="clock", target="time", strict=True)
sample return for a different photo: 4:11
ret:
3:16
